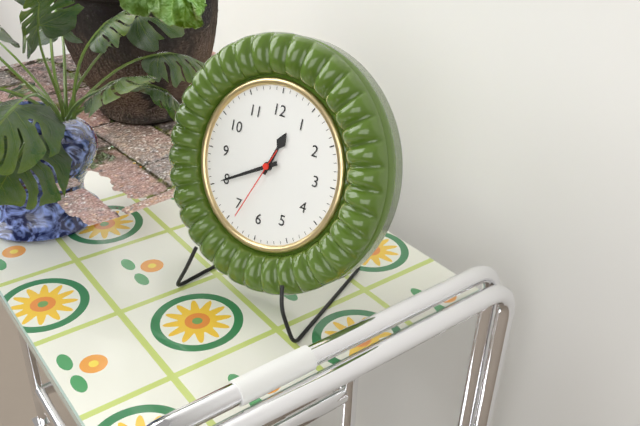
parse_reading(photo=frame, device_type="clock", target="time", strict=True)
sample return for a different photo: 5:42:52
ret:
12:40:34
